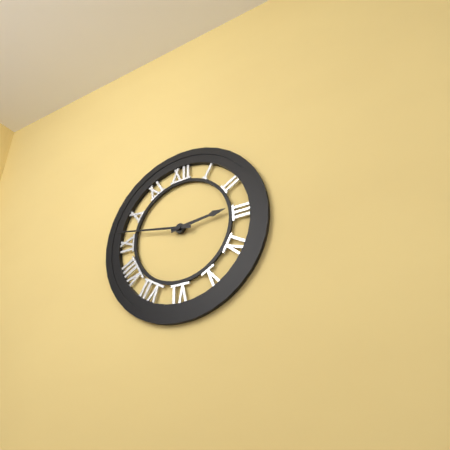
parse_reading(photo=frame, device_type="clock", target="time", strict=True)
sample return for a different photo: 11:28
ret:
2:47
